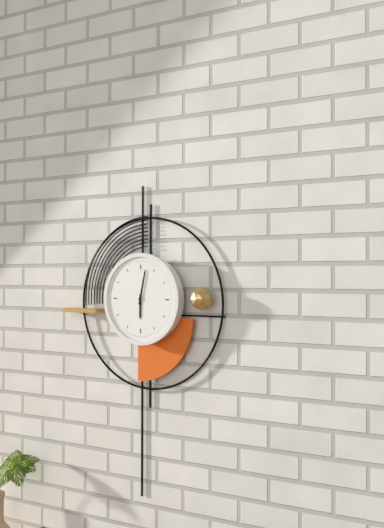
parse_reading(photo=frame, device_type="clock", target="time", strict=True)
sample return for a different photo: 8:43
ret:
6:02
